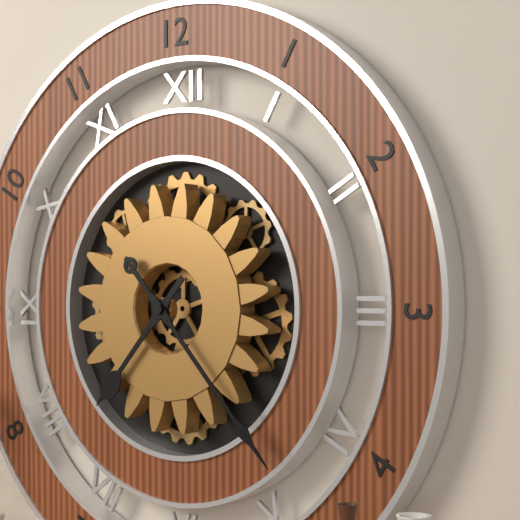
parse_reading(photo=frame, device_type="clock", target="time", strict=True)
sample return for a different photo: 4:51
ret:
7:23
